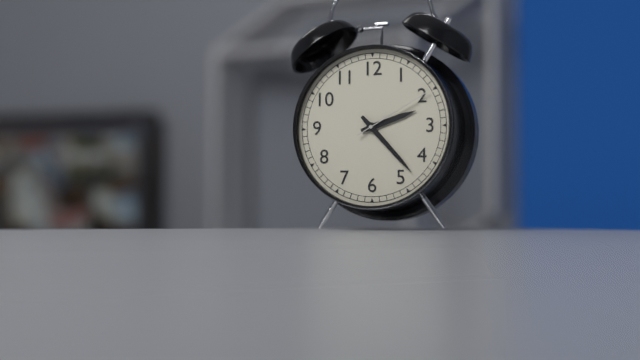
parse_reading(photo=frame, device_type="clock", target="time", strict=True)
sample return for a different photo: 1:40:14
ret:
2:23:10
